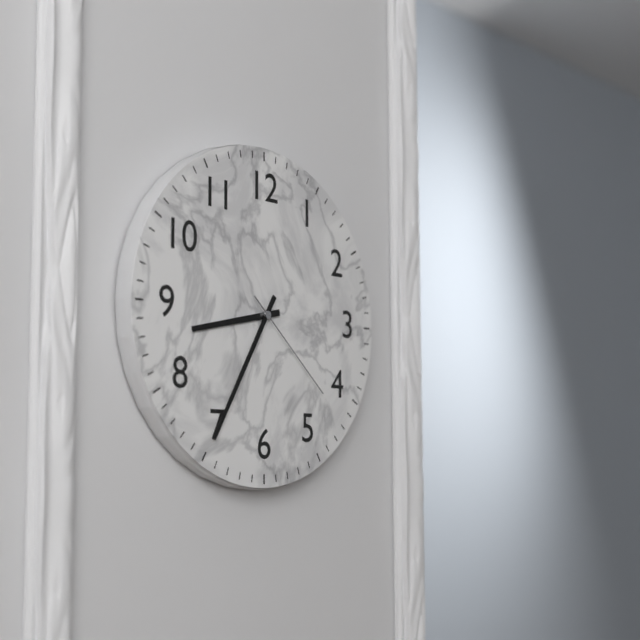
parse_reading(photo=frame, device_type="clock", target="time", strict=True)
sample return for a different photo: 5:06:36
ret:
8:35:22
